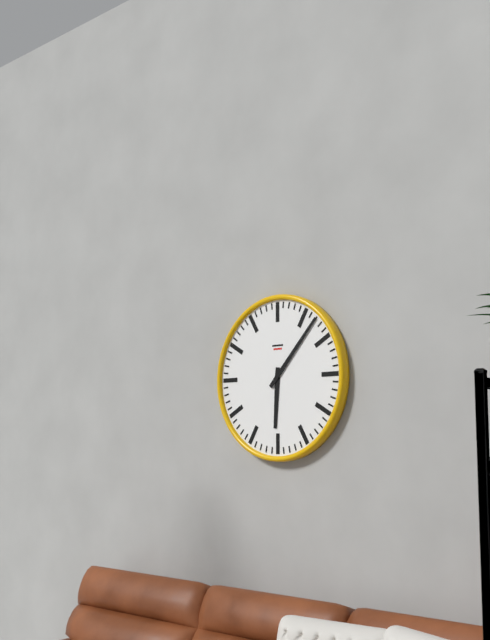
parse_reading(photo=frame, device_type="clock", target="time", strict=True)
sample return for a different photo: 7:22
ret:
6:07
